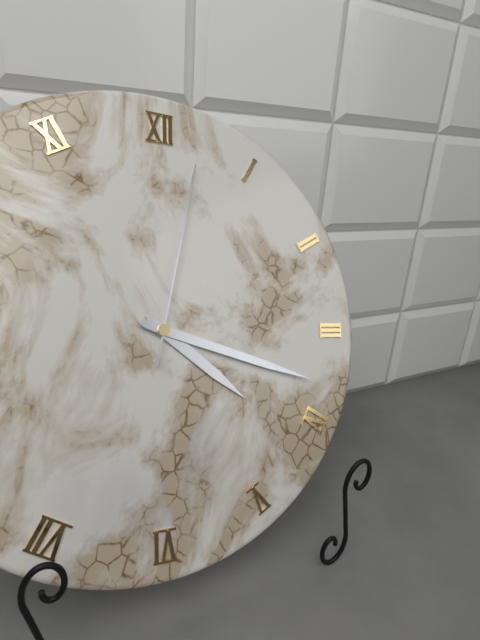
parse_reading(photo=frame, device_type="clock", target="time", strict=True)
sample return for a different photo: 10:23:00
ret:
4:18:02
